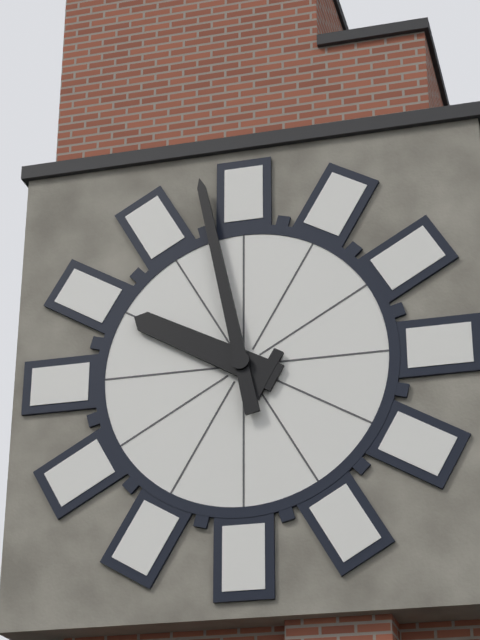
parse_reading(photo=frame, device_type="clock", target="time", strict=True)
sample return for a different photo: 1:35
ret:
9:58
